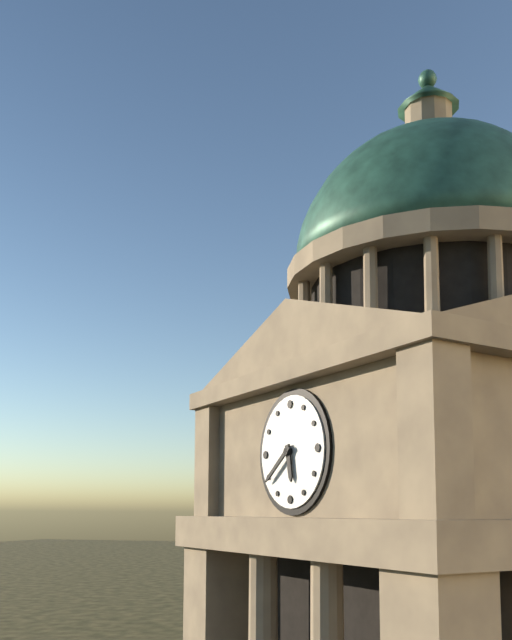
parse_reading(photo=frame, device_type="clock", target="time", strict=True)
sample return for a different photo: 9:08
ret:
5:39
